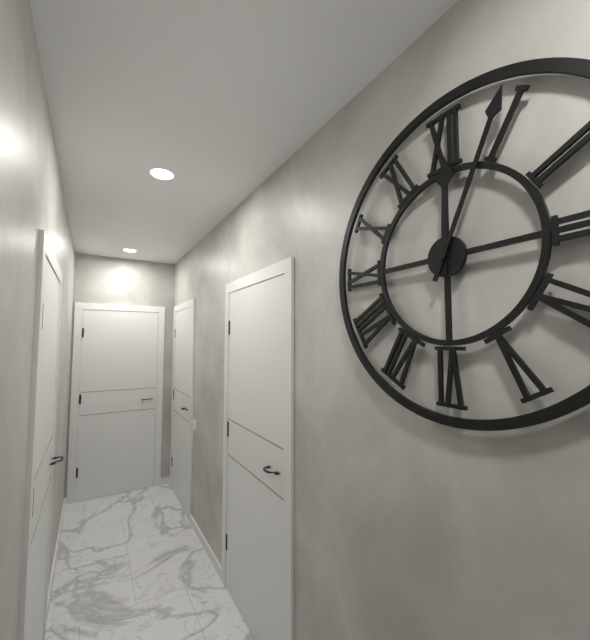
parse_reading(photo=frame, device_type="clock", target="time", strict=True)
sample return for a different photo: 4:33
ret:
12:04
